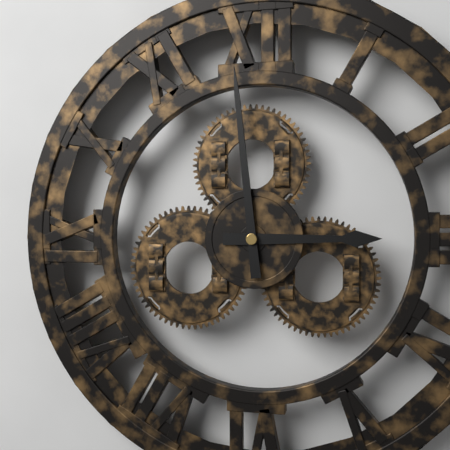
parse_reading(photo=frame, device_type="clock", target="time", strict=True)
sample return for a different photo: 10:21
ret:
2:59
